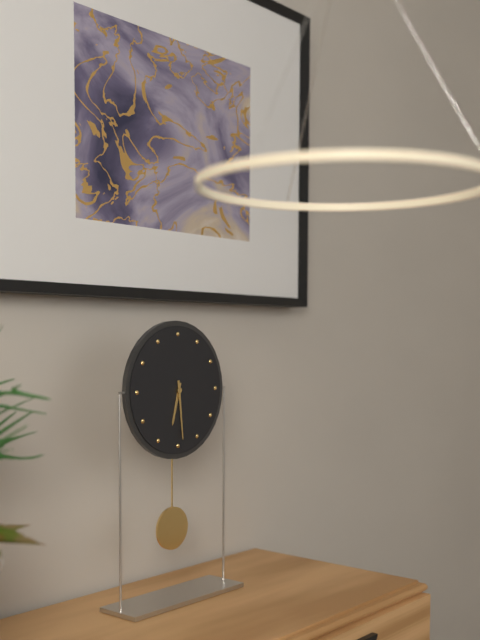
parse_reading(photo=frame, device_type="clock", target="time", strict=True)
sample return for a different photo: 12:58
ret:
6:29
